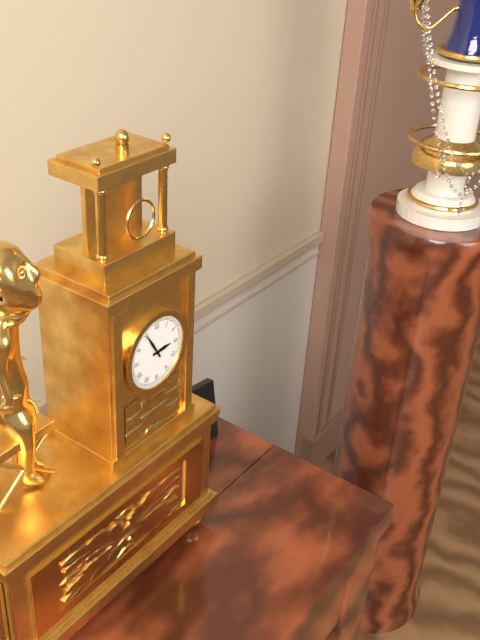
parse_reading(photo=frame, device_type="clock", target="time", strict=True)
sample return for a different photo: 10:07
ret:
2:55
